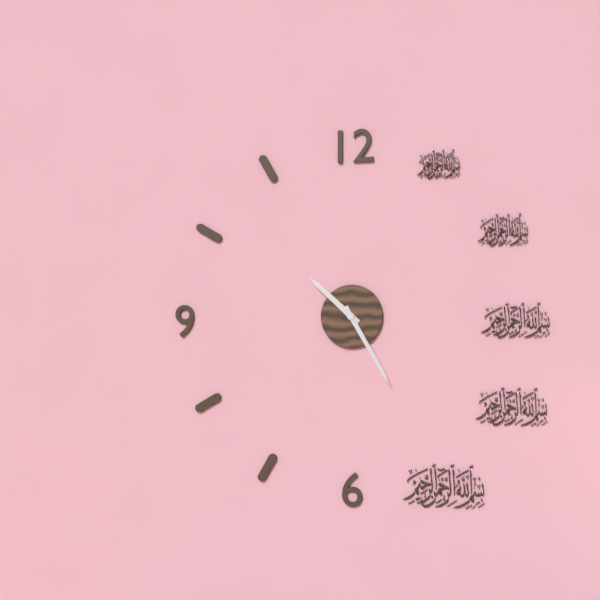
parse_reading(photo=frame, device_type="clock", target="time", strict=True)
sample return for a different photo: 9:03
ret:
10:25
